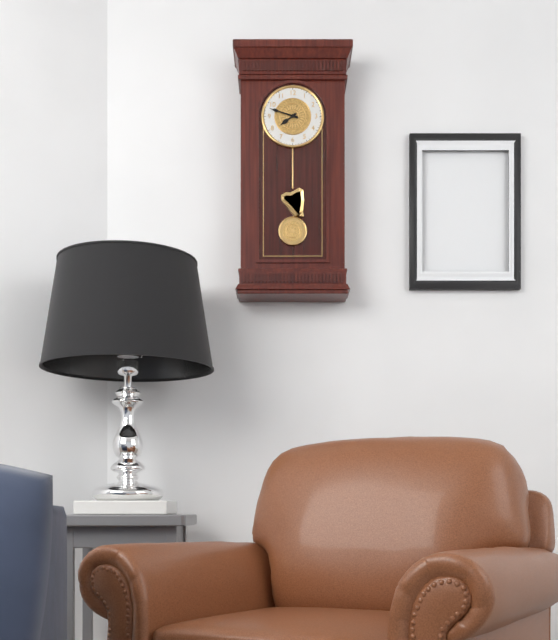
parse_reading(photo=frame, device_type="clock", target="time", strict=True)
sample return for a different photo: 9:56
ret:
7:48
